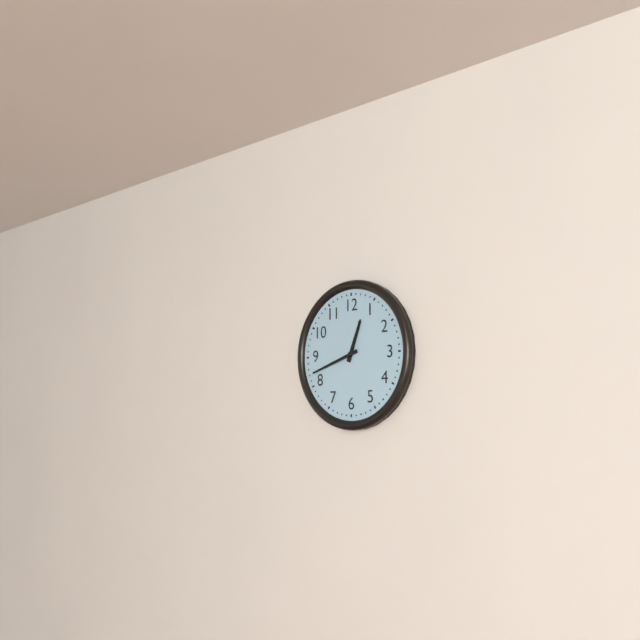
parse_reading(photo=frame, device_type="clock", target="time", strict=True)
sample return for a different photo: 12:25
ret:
12:42
